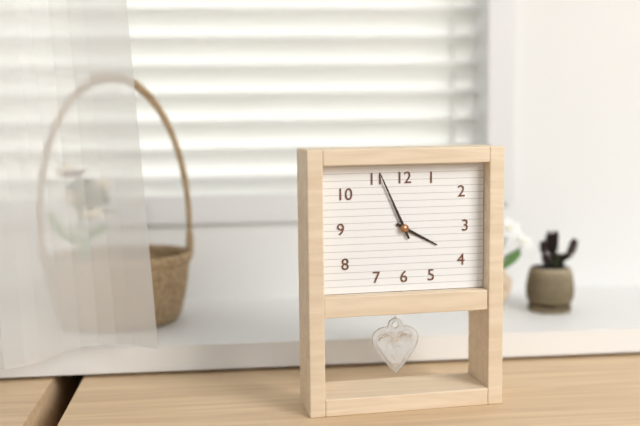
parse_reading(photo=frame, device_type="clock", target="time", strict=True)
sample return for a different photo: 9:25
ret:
3:56
